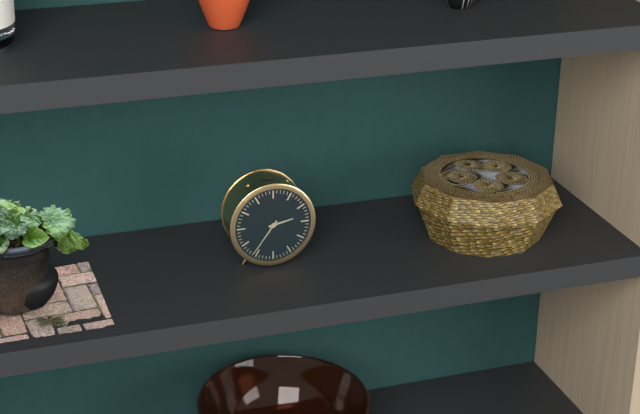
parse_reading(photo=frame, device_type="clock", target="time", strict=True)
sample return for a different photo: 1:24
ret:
2:36
